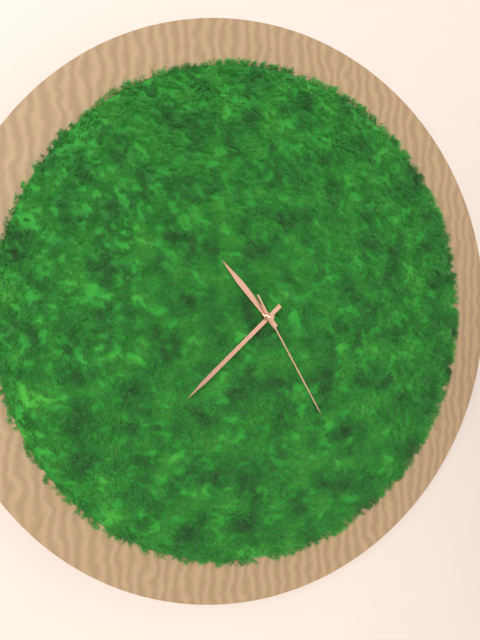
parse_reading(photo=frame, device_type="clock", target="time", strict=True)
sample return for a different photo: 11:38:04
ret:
10:38:25
